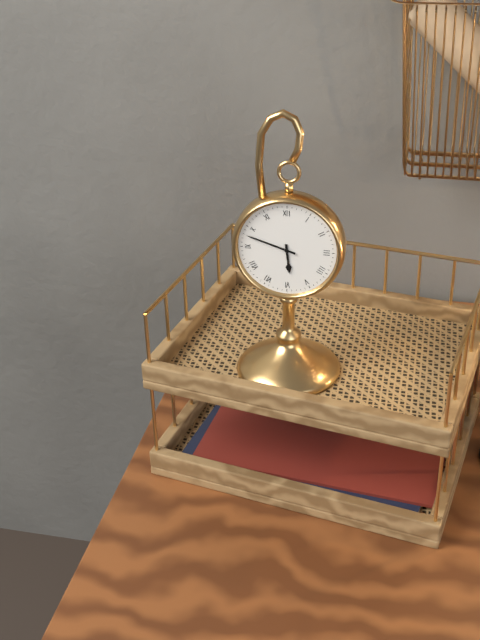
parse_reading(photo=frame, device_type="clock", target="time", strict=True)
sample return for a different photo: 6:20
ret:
5:48
